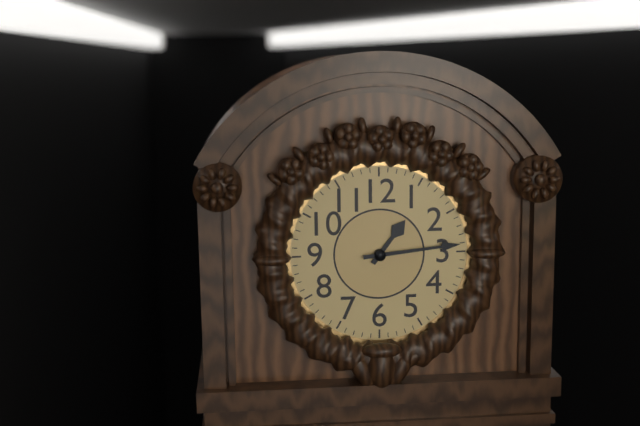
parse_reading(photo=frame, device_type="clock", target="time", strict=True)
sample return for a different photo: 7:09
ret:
1:14
